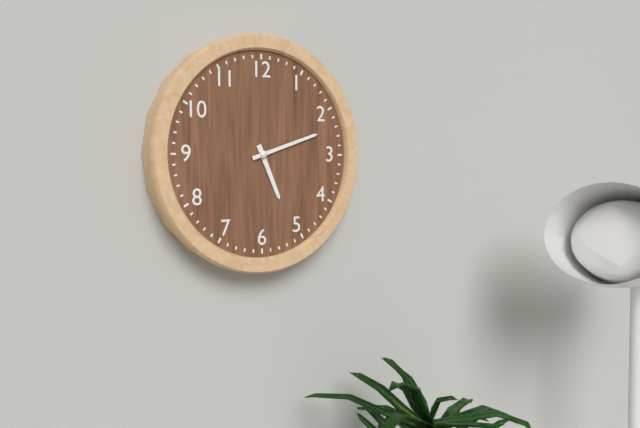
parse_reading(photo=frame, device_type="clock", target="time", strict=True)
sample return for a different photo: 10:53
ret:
5:12
